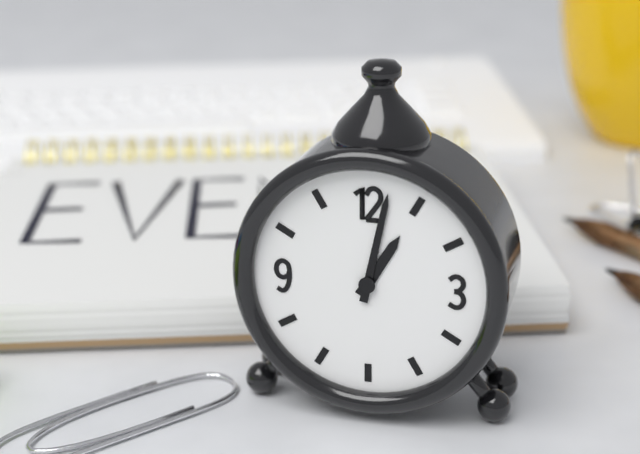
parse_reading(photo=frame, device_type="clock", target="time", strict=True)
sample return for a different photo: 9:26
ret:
1:02
